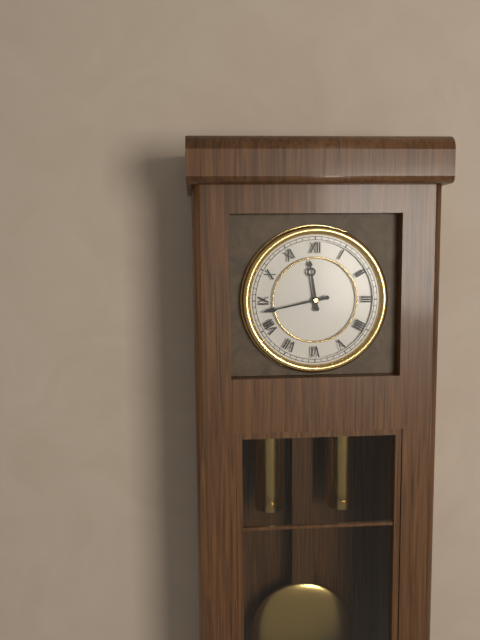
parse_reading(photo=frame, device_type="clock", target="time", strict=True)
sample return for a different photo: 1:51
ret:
11:43
